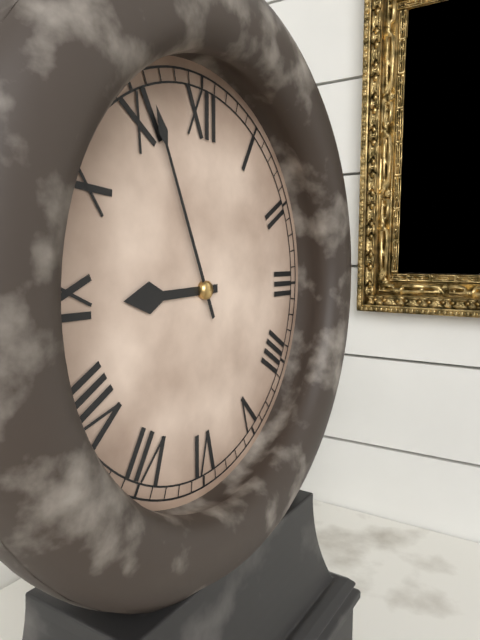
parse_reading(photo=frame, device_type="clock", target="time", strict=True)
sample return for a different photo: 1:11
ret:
8:56
